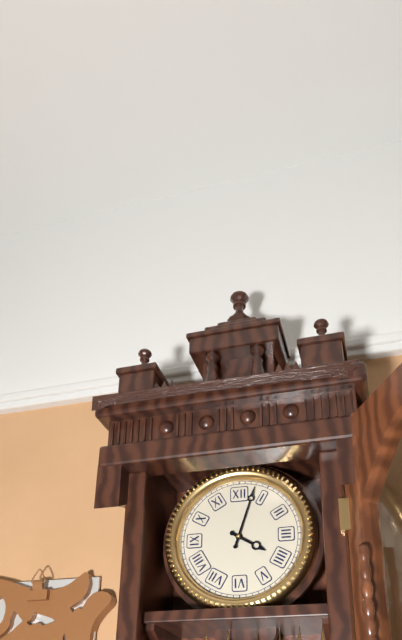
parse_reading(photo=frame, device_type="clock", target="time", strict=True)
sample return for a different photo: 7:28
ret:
4:03
